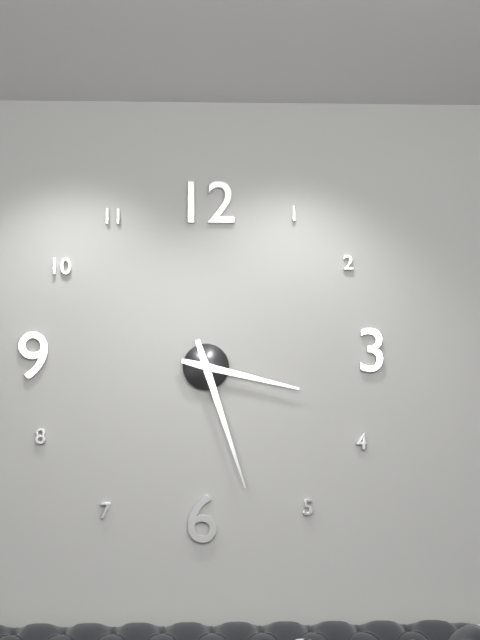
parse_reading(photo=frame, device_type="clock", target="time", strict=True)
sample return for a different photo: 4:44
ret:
3:27
